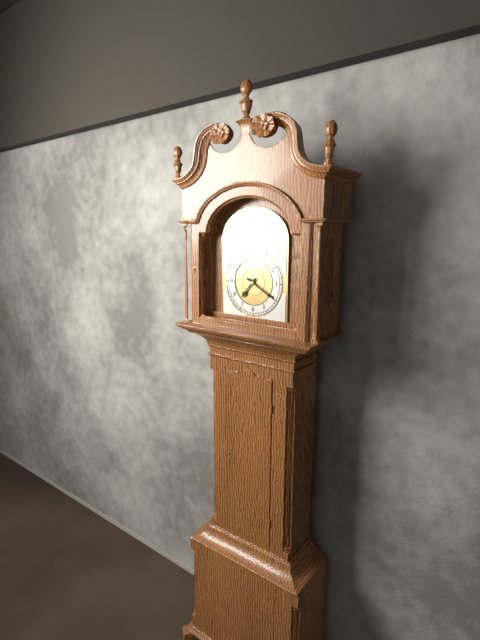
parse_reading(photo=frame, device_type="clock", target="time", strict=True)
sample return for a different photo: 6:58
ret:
7:20
